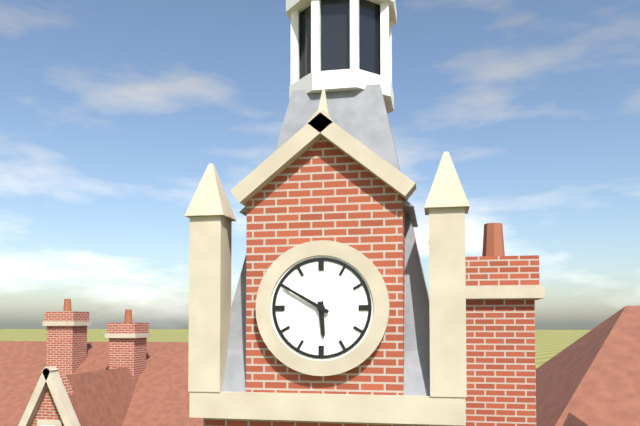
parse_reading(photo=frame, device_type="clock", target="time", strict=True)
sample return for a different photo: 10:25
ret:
5:50
